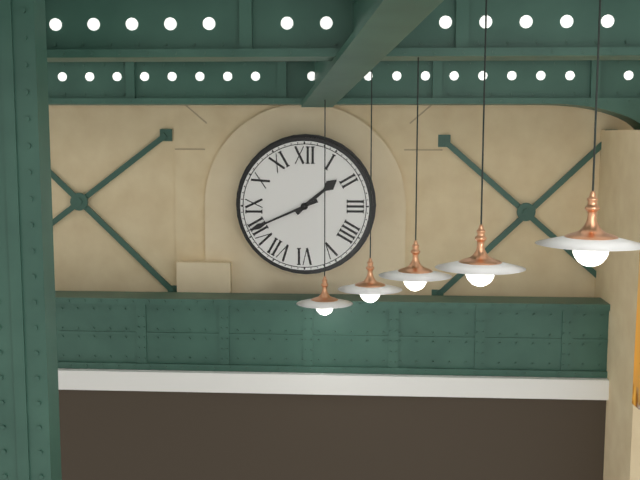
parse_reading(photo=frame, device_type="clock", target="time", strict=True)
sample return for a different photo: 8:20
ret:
1:41
